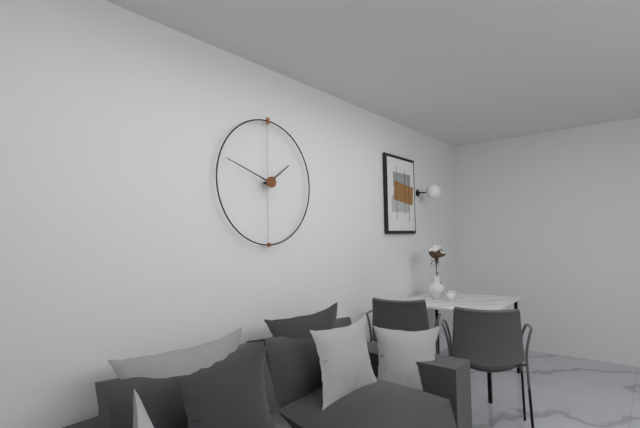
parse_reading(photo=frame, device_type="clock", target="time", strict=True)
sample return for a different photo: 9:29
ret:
1:48
